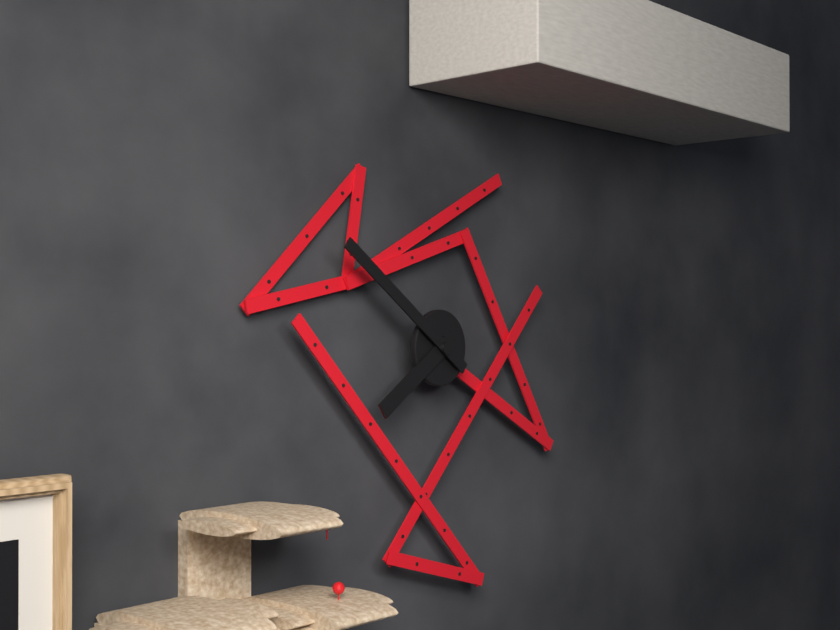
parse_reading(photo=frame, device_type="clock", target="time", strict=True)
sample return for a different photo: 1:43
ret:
7:51
